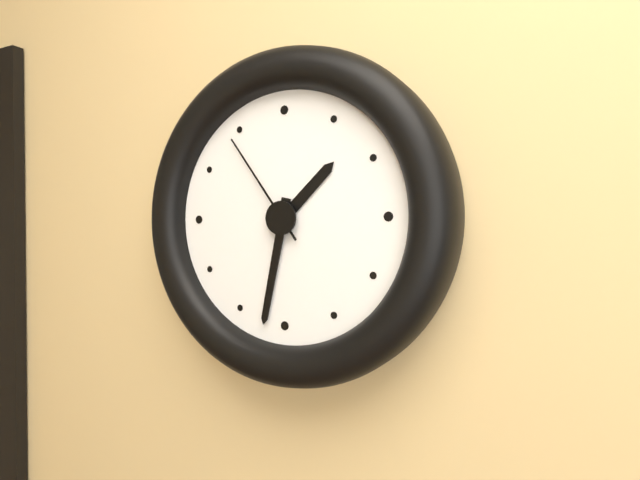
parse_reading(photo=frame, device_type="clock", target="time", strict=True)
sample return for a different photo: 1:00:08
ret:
1:32:54
